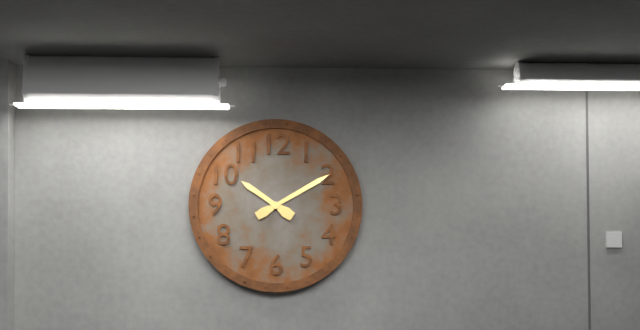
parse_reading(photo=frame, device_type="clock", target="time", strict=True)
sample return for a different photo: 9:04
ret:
10:10
